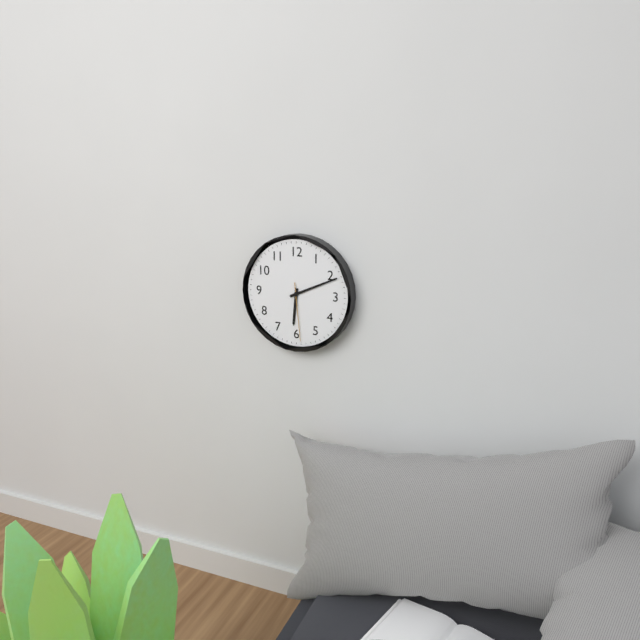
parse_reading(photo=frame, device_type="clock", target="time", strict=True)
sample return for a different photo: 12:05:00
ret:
6:11:29
